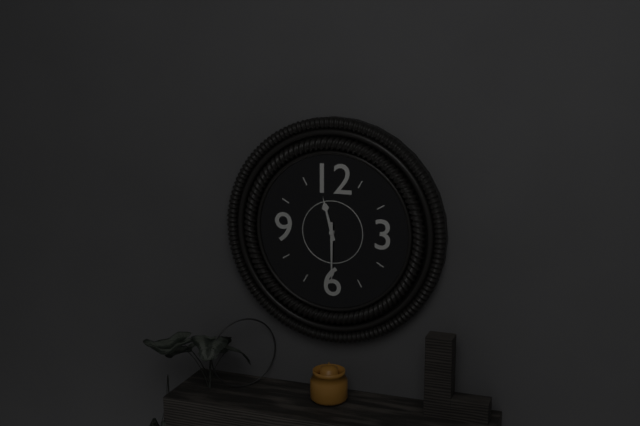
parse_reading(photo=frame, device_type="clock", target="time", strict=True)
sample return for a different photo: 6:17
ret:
11:30
